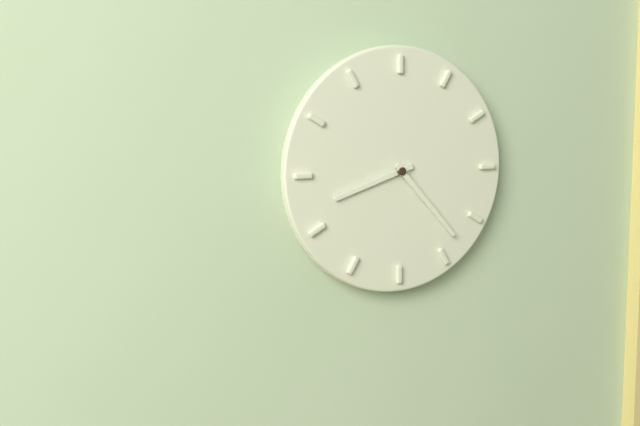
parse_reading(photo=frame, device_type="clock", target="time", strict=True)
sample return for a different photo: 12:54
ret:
8:23
